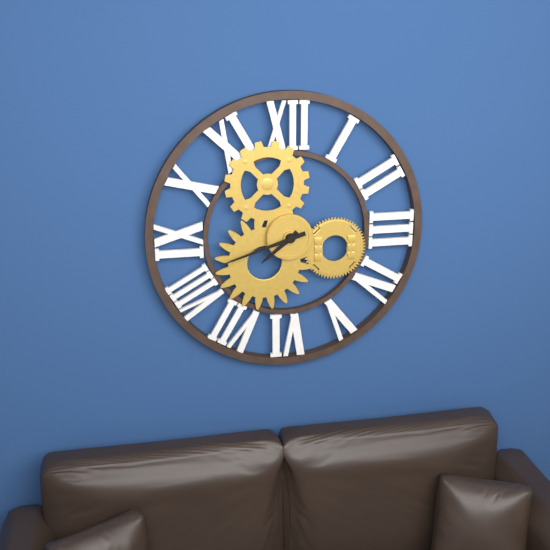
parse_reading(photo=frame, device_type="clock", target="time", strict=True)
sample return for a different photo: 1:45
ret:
7:42
